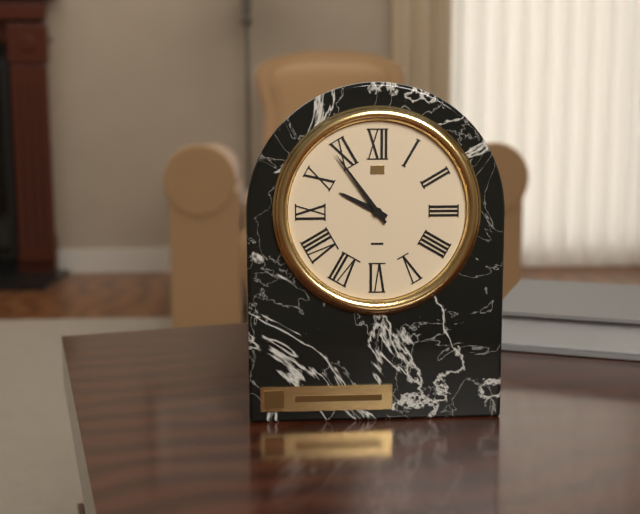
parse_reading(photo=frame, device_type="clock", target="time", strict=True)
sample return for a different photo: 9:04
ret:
9:54
